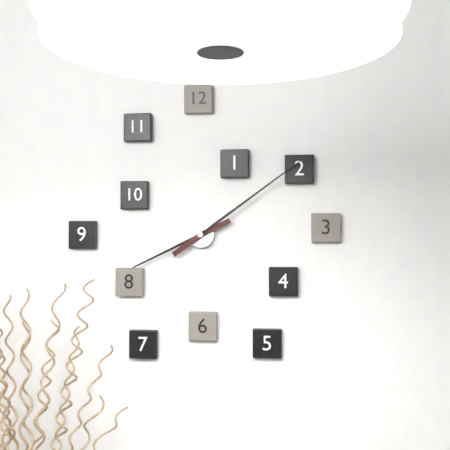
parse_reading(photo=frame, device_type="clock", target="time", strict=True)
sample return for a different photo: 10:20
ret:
8:09
